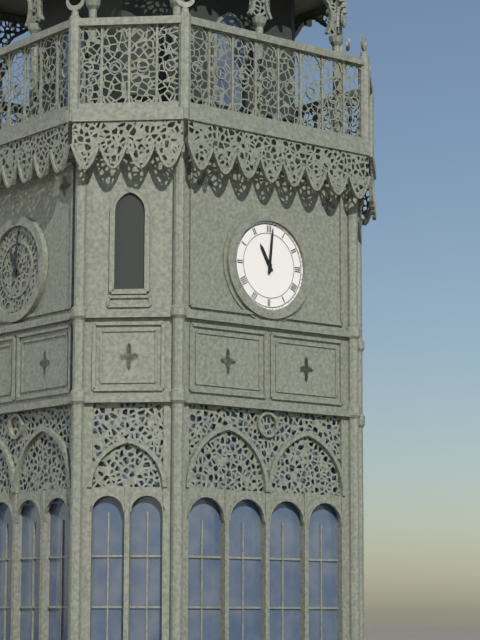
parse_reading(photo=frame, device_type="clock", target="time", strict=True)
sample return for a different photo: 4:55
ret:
11:01
